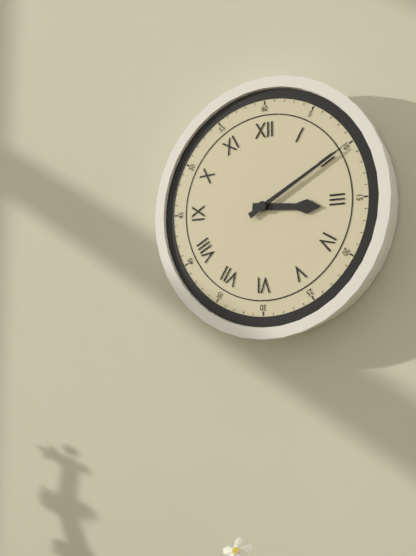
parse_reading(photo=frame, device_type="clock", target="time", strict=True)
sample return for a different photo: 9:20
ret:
3:10
